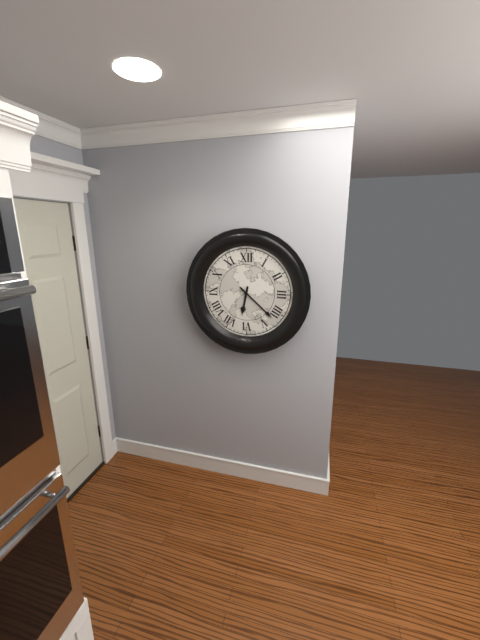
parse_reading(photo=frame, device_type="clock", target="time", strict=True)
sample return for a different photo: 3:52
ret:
6:22
